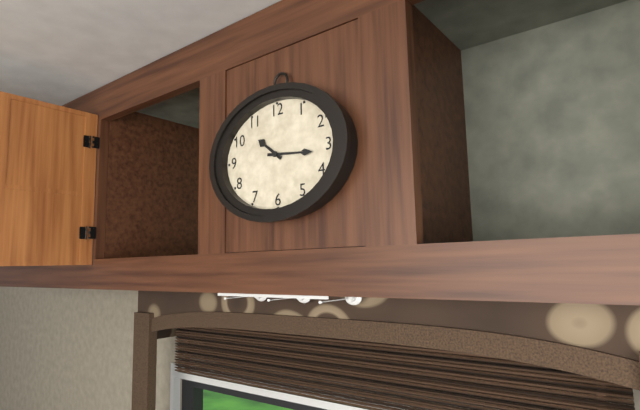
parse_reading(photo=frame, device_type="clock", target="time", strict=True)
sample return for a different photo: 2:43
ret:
10:16
